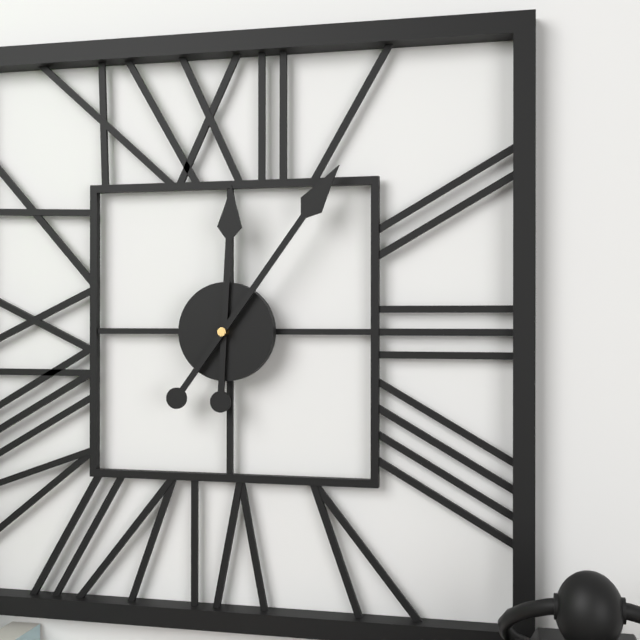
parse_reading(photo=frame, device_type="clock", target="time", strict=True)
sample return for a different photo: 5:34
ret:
12:06
